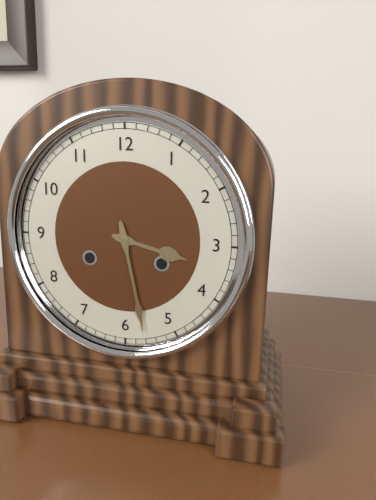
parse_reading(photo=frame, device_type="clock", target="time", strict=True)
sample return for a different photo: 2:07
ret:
3:28
